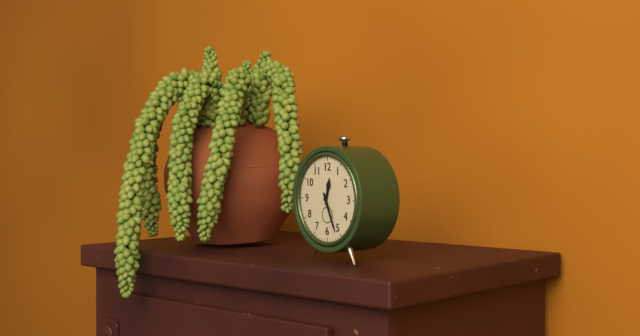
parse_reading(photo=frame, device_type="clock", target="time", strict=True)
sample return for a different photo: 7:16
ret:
12:26
